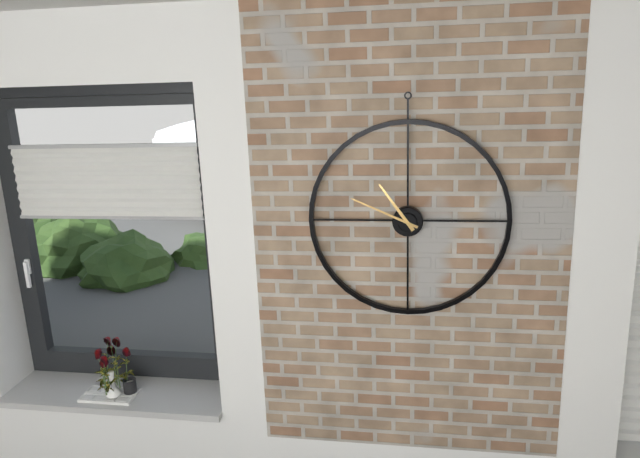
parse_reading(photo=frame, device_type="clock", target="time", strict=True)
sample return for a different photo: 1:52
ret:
10:49
